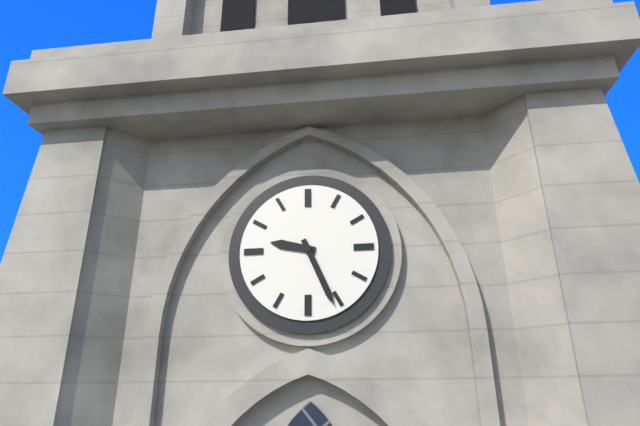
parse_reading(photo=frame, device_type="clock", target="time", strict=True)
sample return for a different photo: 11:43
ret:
9:26
